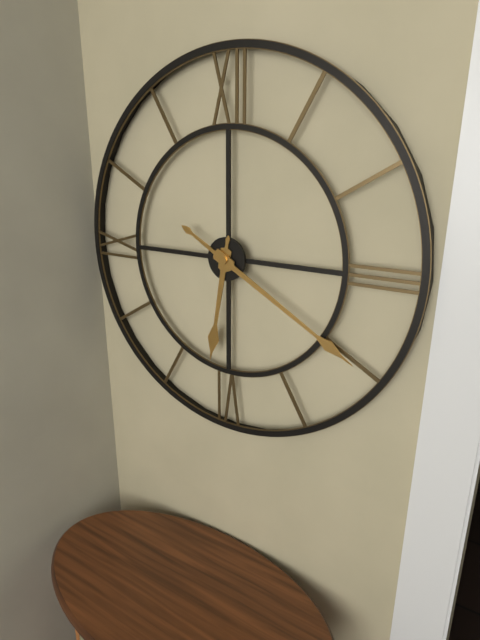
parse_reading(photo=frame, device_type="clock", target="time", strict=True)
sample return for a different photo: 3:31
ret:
6:20
